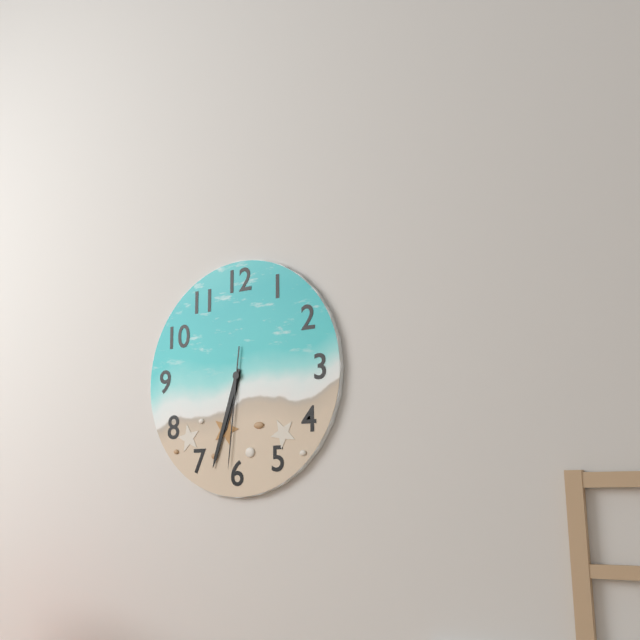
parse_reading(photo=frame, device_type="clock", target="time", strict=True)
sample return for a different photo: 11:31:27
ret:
6:33:31
